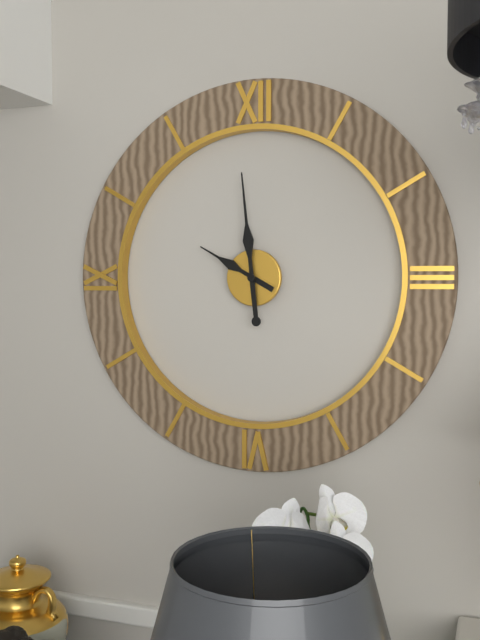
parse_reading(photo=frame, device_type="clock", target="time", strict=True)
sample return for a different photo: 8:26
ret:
9:59
